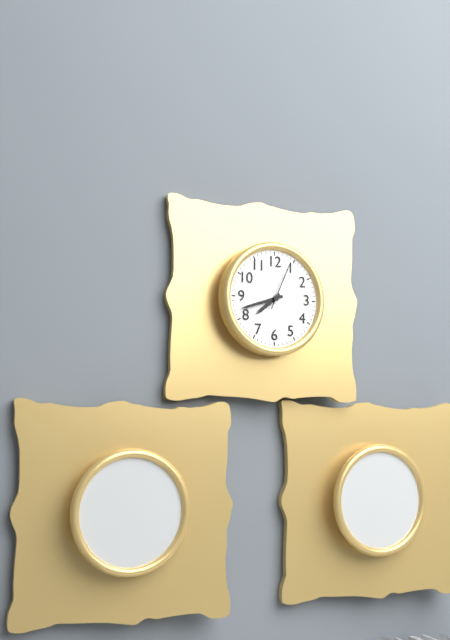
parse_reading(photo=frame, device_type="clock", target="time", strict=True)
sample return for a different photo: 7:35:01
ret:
7:42:04
